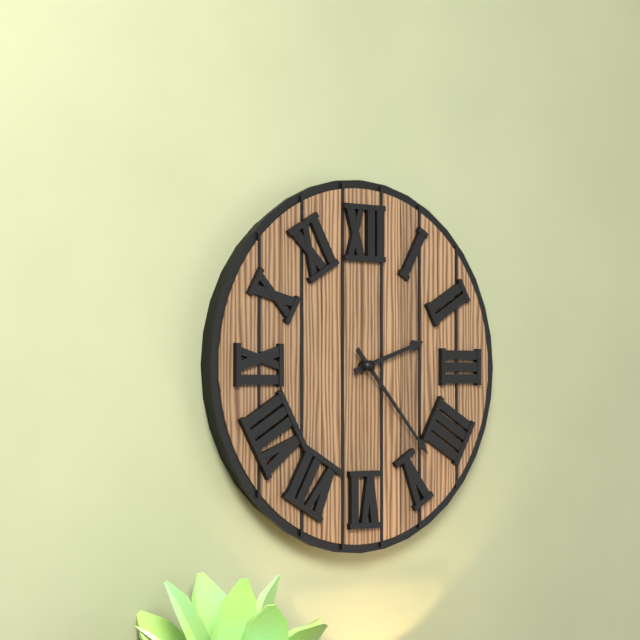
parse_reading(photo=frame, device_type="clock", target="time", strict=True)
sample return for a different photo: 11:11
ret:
2:23
